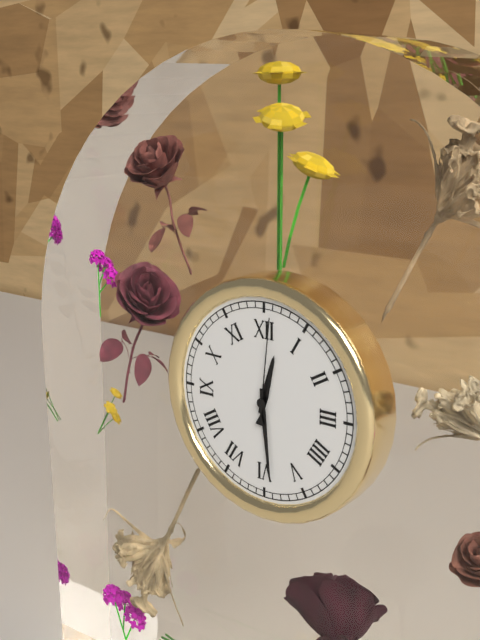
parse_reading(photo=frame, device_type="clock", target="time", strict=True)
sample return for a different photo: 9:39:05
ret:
12:29:01
